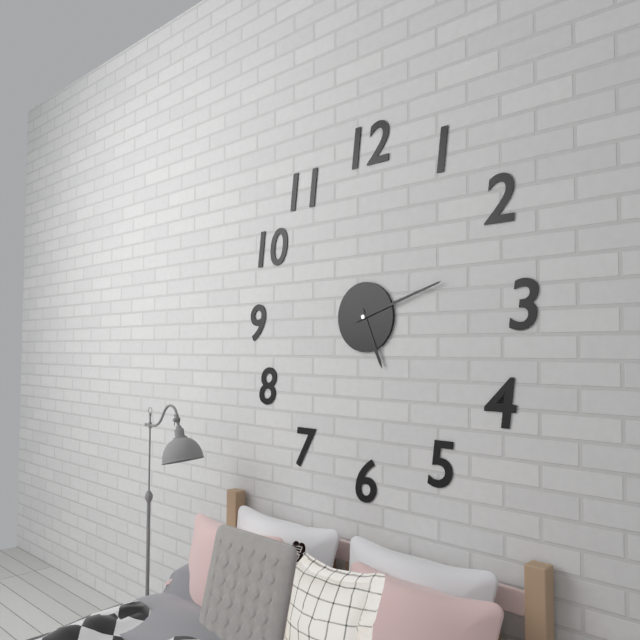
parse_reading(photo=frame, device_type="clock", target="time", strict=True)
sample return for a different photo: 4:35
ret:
5:12
